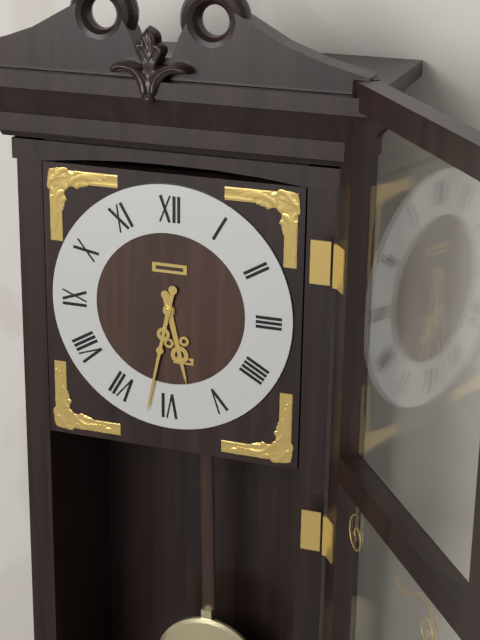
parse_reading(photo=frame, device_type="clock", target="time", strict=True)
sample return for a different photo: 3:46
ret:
5:32
